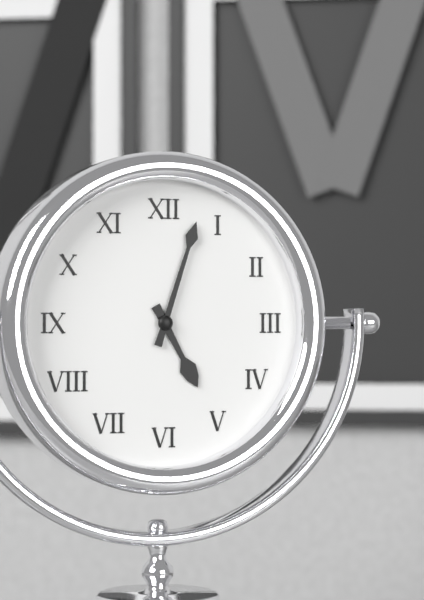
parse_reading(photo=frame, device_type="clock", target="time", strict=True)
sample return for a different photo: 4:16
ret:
5:03
